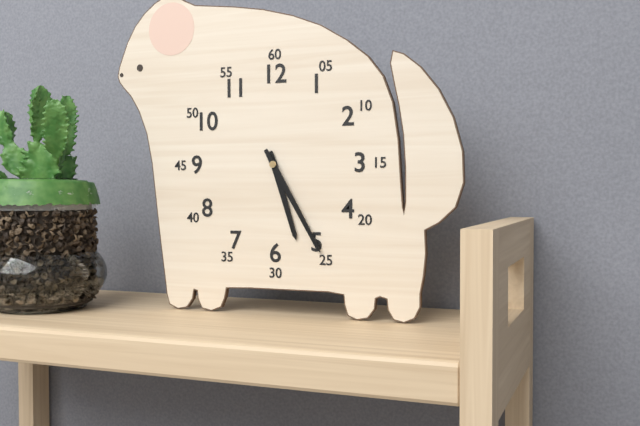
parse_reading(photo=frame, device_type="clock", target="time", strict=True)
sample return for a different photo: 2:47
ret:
5:25
